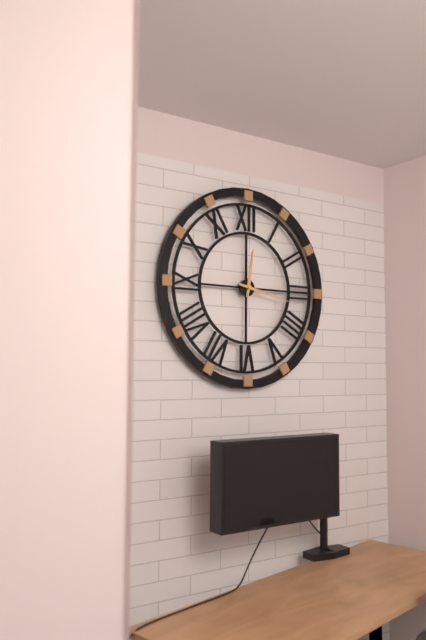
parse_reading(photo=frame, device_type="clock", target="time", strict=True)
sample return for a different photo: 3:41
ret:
12:17
